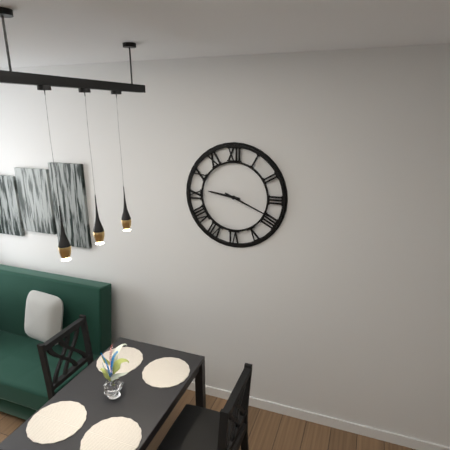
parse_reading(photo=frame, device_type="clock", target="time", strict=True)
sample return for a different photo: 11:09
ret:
9:19
